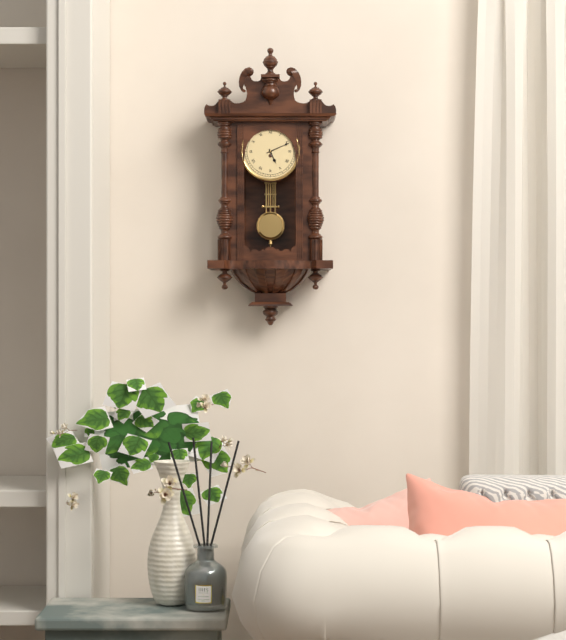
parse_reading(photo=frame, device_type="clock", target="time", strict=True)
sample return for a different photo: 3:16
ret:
5:11
